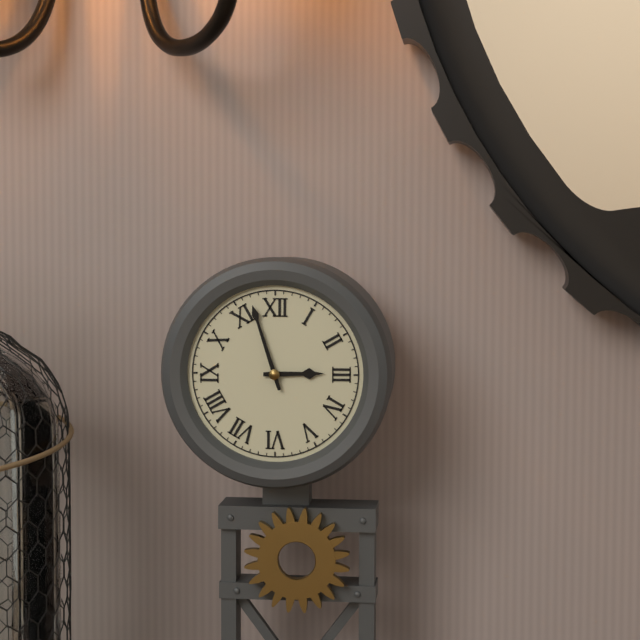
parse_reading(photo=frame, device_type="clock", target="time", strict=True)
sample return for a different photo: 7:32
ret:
2:57
